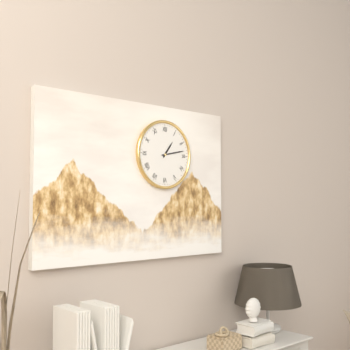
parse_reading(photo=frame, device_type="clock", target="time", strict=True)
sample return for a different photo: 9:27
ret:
1:13
